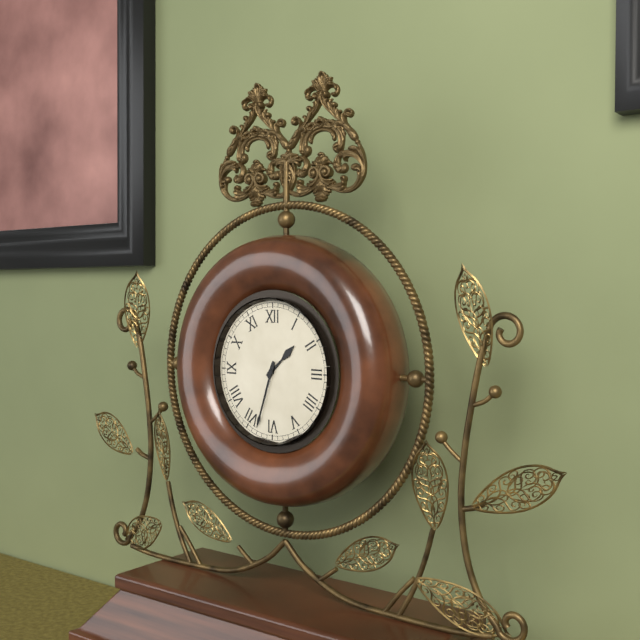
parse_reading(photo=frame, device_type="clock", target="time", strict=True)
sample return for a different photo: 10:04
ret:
1:33
